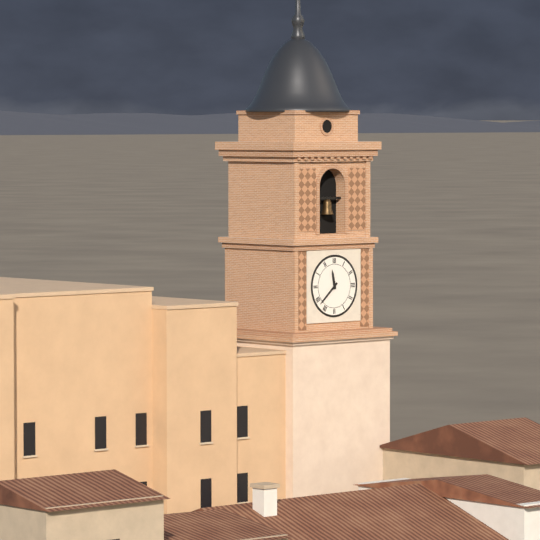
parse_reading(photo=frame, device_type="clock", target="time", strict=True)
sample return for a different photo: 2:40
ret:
11:38
